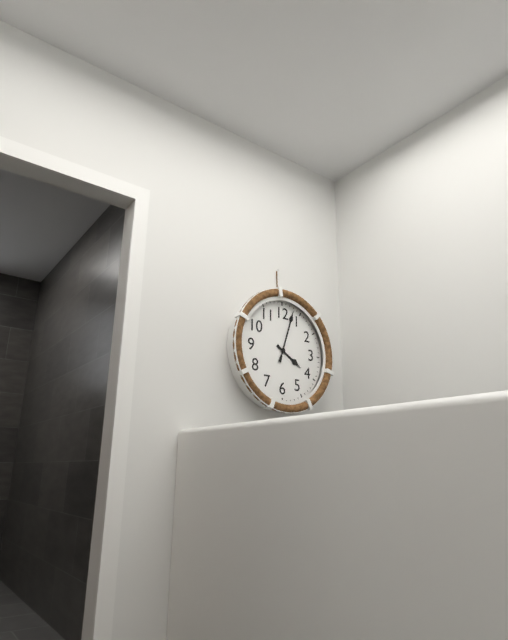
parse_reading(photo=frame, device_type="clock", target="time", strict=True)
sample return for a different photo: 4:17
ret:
4:03
